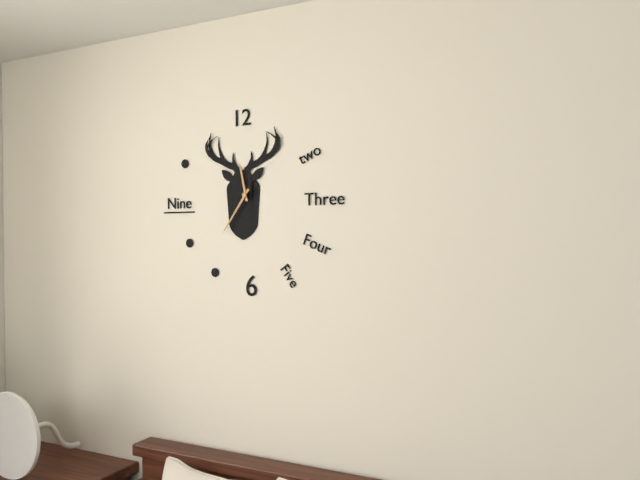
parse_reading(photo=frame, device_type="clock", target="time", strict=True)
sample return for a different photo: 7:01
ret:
11:36
